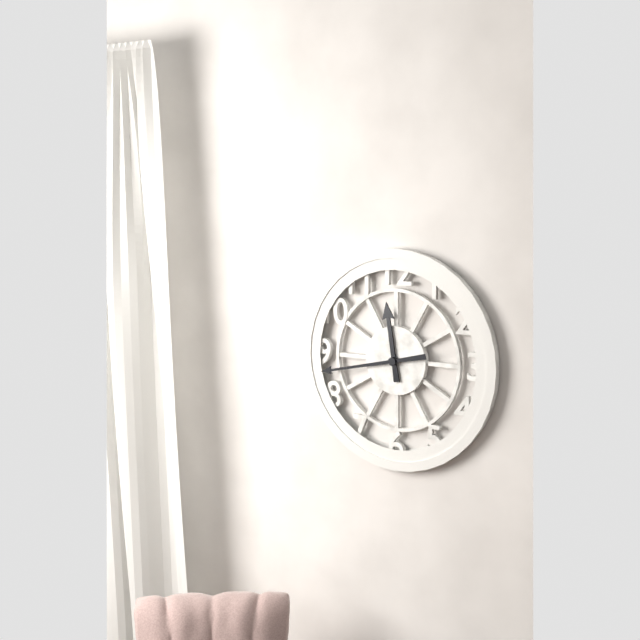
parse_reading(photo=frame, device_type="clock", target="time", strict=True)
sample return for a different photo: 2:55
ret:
11:43
